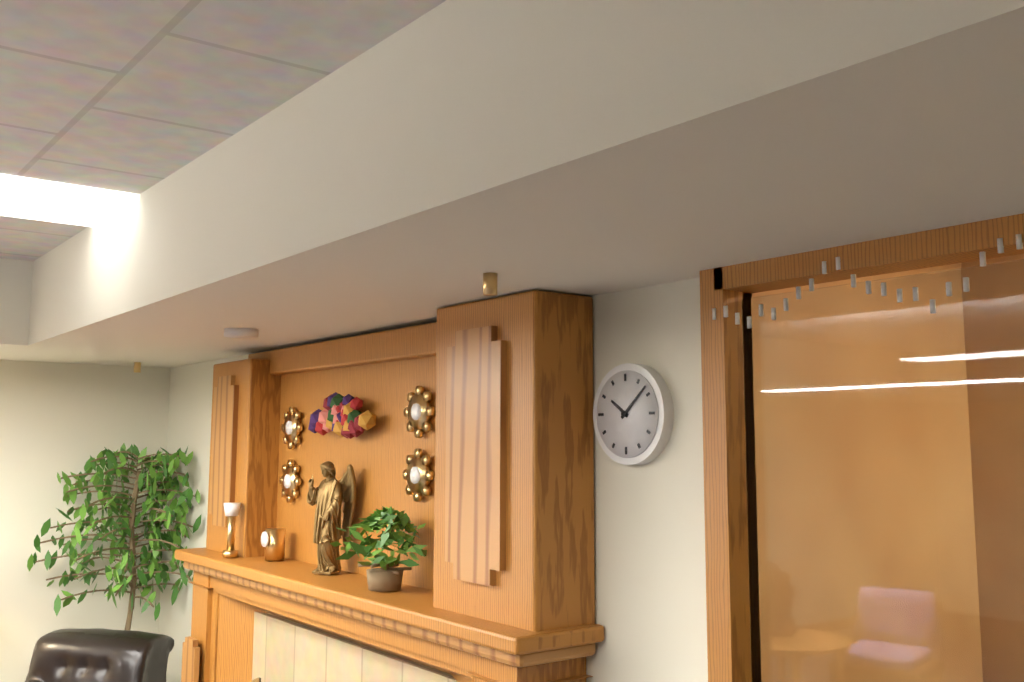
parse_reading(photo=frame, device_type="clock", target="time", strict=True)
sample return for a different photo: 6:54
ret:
10:08
